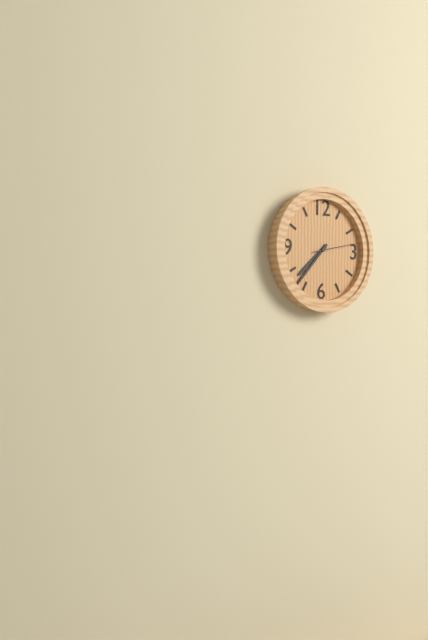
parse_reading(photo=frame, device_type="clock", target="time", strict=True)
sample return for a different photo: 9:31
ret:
7:37
